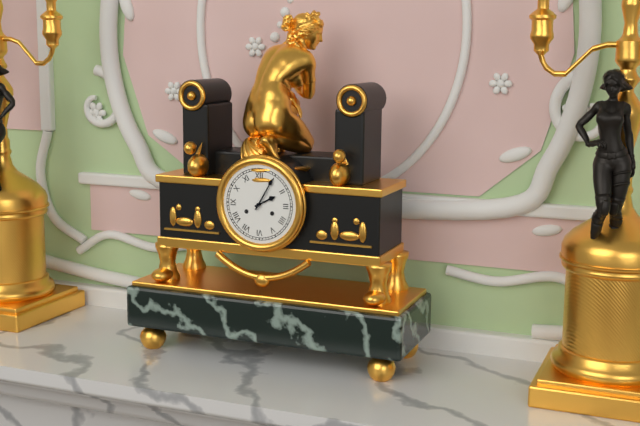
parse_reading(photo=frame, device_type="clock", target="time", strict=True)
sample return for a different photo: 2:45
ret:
2:05
